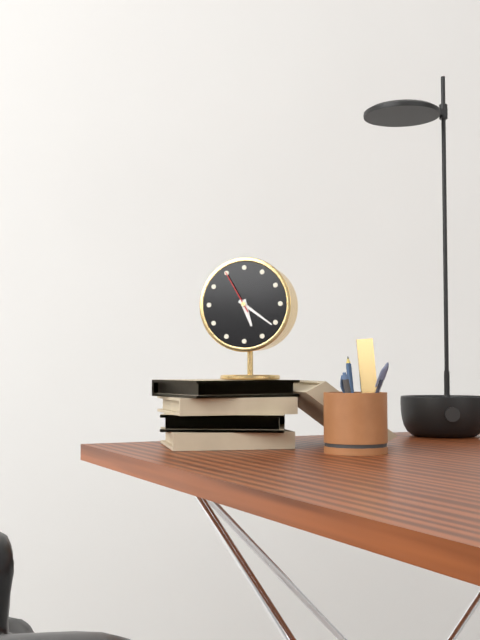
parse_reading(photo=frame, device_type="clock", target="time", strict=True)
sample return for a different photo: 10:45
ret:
5:21
